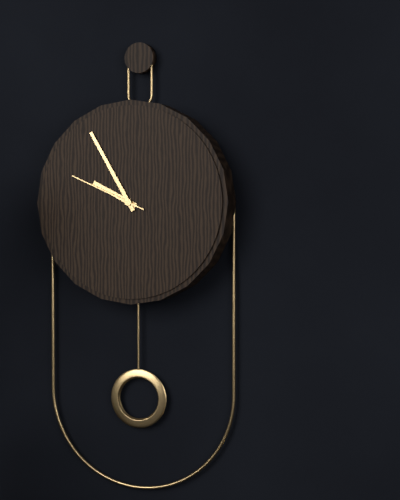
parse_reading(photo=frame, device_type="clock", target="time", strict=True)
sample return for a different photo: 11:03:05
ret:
9:55:49
